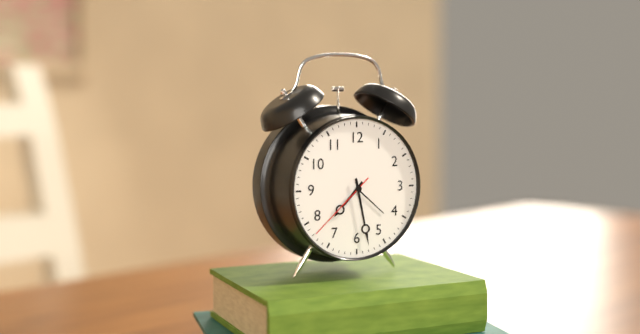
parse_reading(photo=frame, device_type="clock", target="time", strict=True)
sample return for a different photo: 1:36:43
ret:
7:28:38
